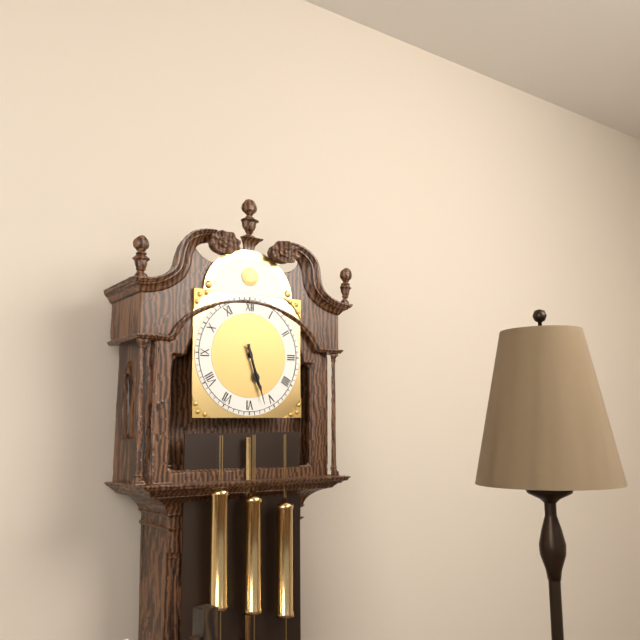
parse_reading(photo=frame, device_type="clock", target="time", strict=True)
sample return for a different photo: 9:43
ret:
5:27
